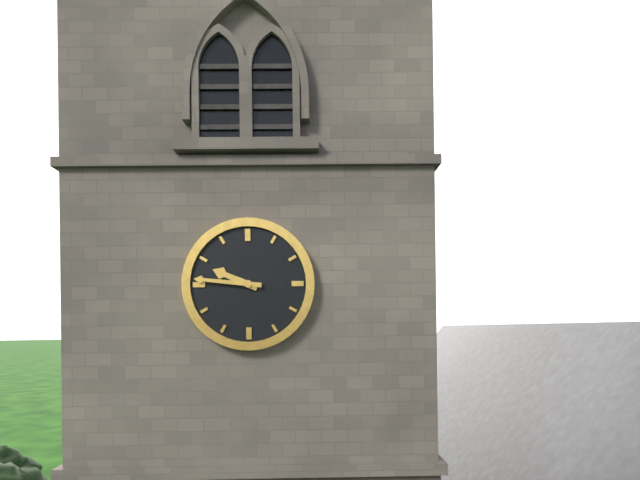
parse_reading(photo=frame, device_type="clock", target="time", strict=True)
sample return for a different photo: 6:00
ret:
9:46
